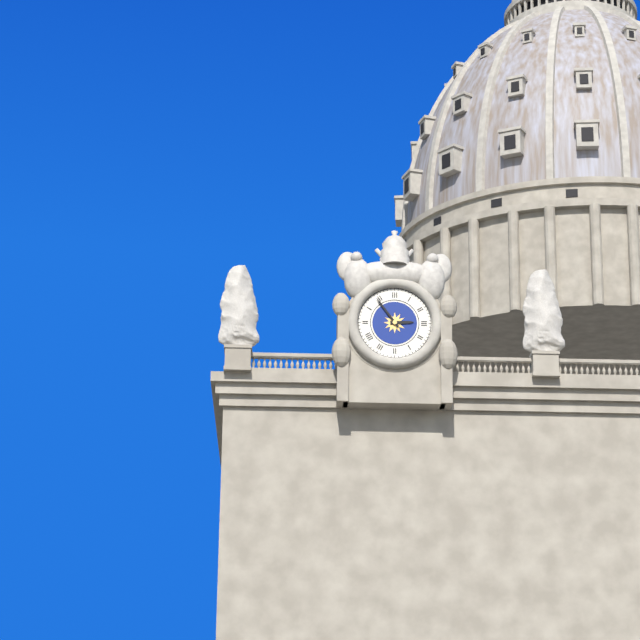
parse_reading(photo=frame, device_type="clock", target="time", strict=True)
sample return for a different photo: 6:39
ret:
2:54
